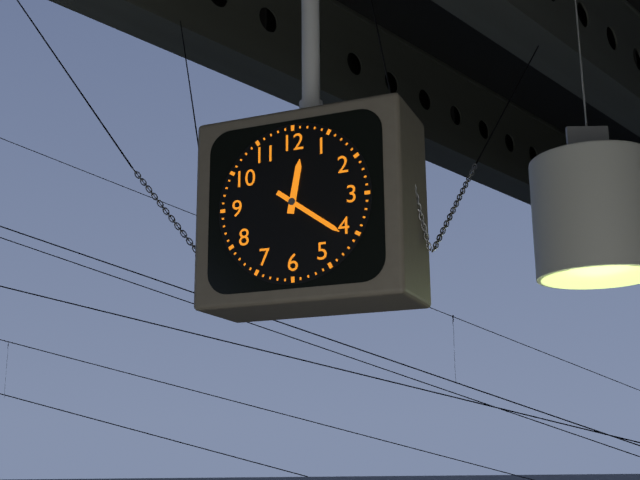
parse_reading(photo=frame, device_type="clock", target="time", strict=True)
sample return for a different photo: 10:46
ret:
12:21
